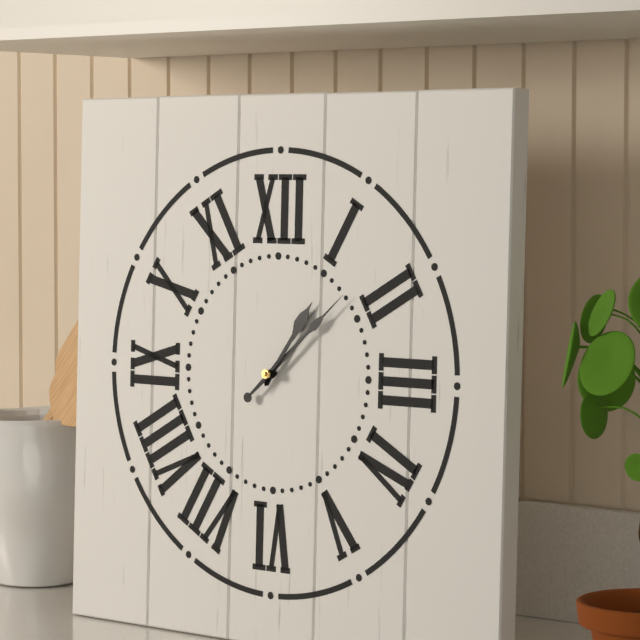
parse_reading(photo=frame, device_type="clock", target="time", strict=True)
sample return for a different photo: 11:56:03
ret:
1:08:07
